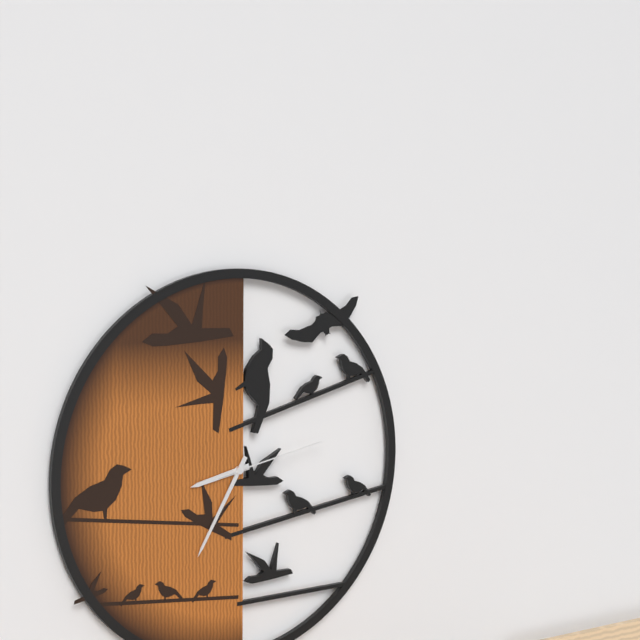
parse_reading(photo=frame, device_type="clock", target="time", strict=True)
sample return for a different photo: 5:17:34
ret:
8:35:13
